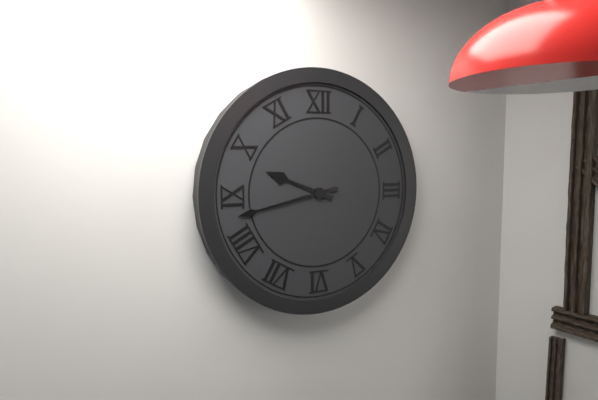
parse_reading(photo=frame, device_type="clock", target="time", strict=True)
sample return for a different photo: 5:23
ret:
9:43
